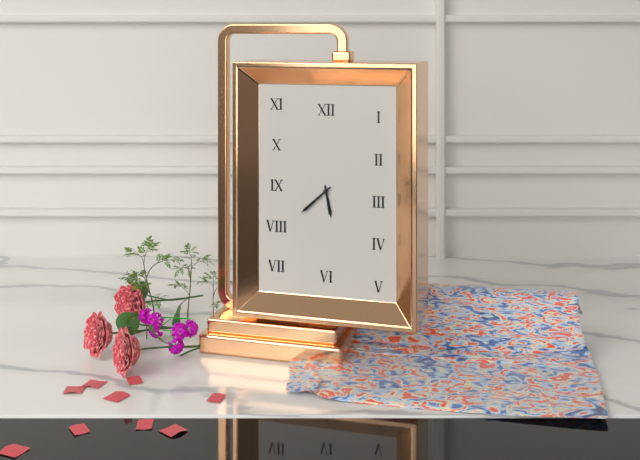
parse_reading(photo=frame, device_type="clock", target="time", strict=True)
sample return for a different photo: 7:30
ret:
5:38
